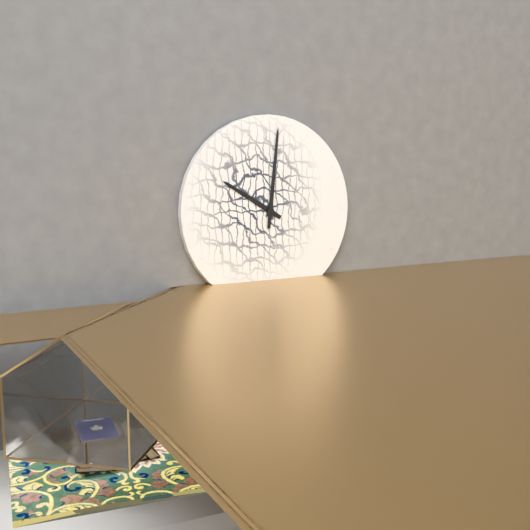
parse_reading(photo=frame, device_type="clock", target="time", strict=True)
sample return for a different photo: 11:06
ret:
10:01
